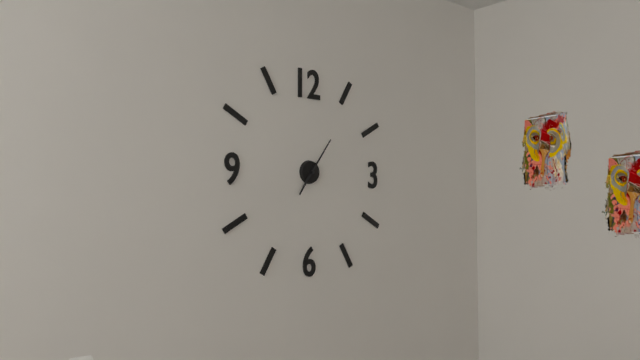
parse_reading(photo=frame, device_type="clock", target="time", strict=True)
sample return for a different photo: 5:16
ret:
7:06
